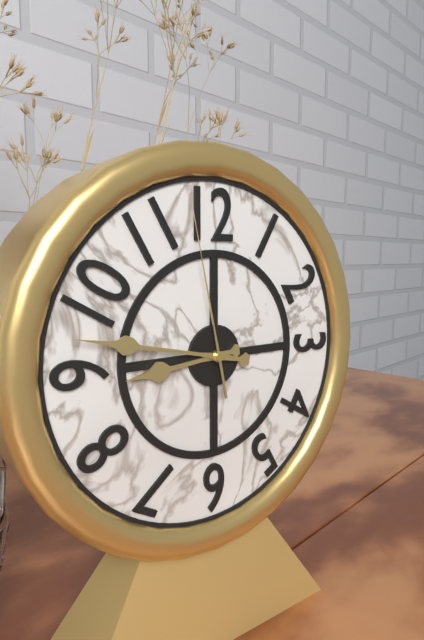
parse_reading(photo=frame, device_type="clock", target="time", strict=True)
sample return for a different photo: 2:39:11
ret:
8:47:58
